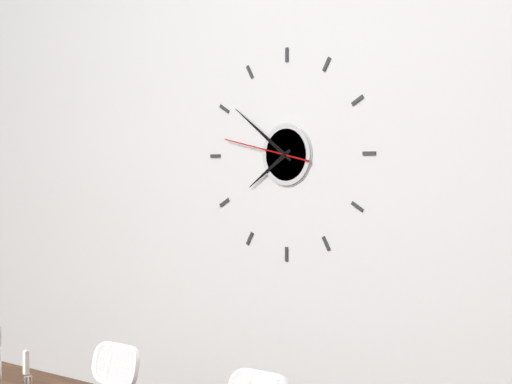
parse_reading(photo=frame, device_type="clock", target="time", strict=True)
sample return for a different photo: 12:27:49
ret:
7:51:47
